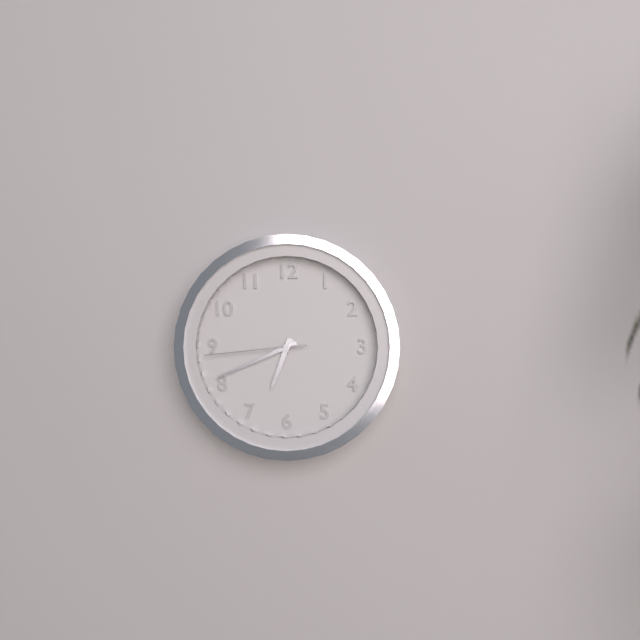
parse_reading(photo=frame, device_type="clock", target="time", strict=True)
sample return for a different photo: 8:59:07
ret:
6:41:44
